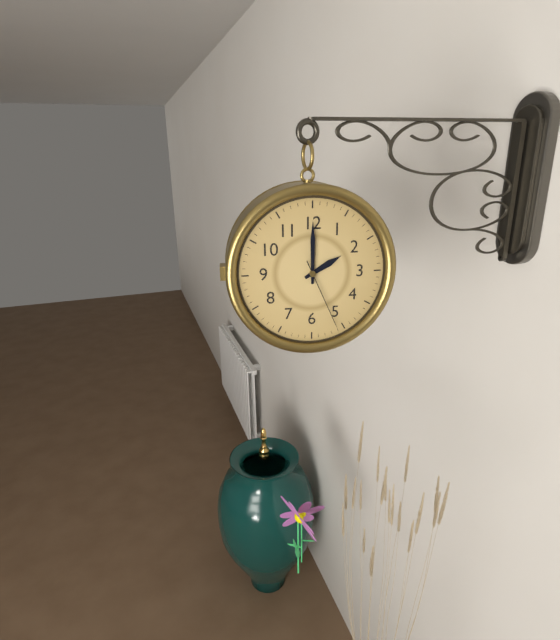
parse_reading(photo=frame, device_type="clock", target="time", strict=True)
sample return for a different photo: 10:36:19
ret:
2:00:26
